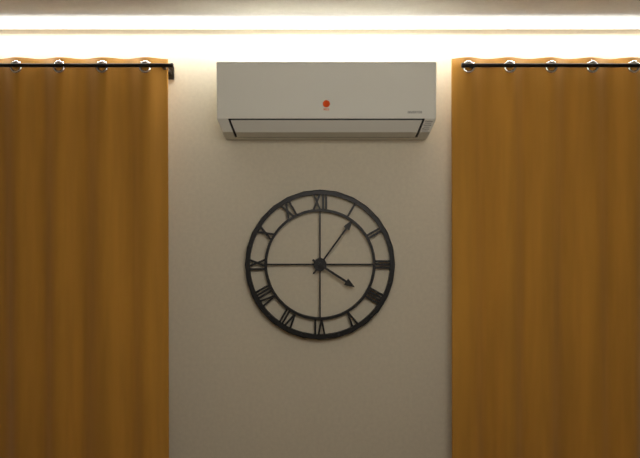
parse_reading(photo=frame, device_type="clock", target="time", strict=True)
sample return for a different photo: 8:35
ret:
4:06
